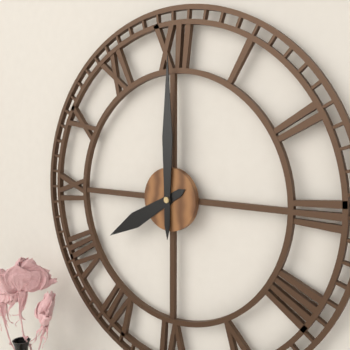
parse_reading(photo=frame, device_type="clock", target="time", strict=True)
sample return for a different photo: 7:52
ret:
8:00
